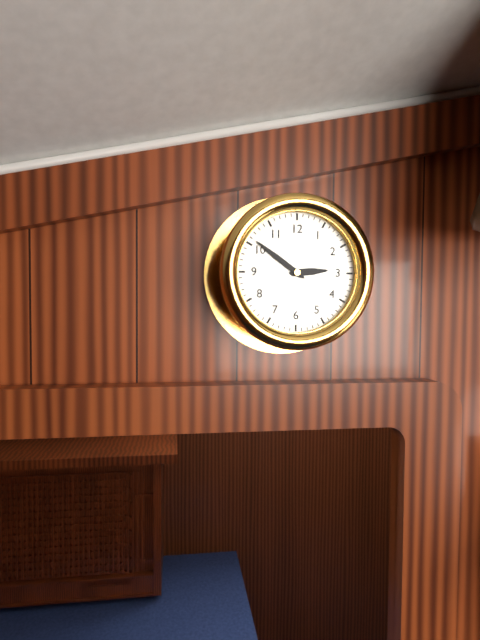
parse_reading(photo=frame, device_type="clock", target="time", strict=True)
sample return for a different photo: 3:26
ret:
2:51
